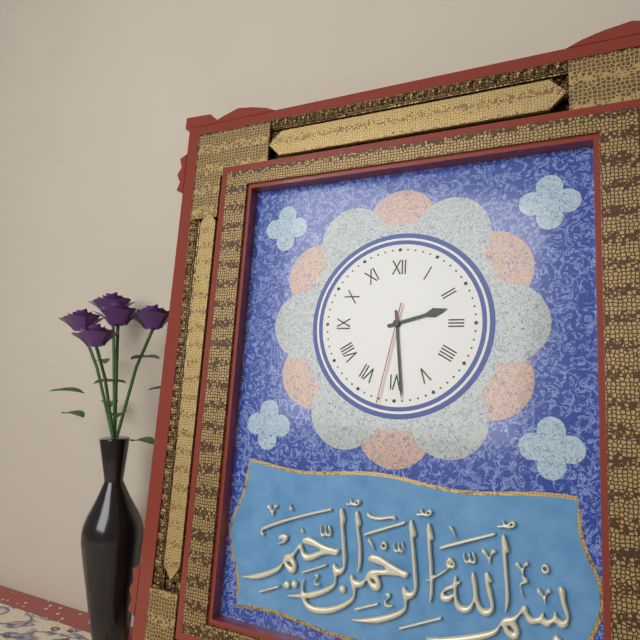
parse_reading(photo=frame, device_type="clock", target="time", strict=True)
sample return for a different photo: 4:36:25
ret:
2:29:32
